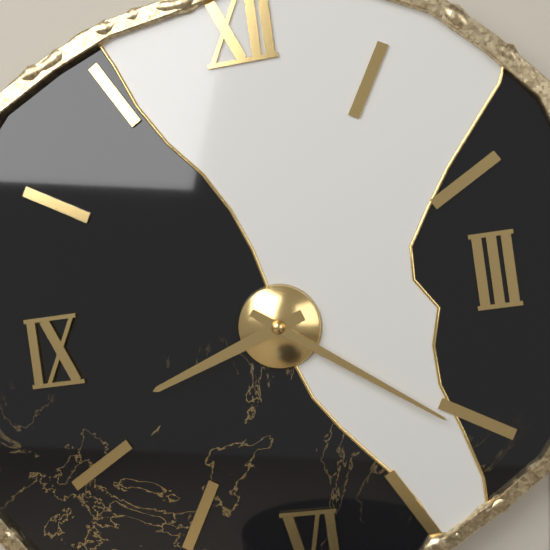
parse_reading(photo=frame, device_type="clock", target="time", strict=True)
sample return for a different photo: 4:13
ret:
8:21
